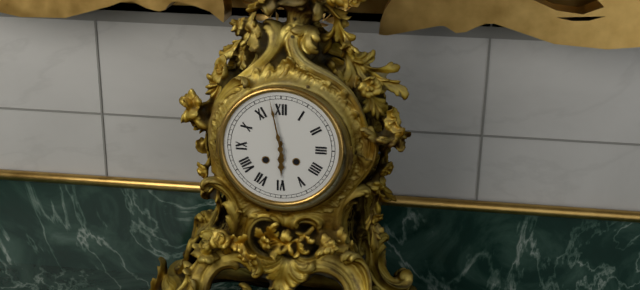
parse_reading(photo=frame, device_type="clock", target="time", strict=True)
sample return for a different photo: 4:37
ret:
5:58
